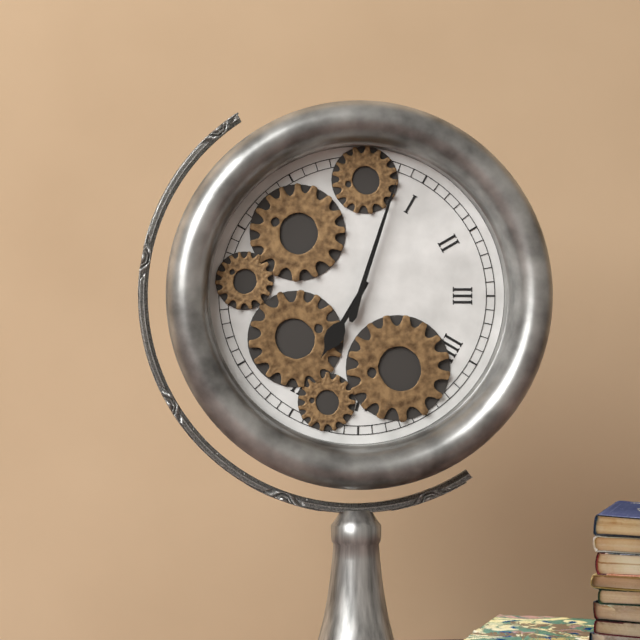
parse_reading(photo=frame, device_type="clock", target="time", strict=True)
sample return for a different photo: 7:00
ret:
7:03
